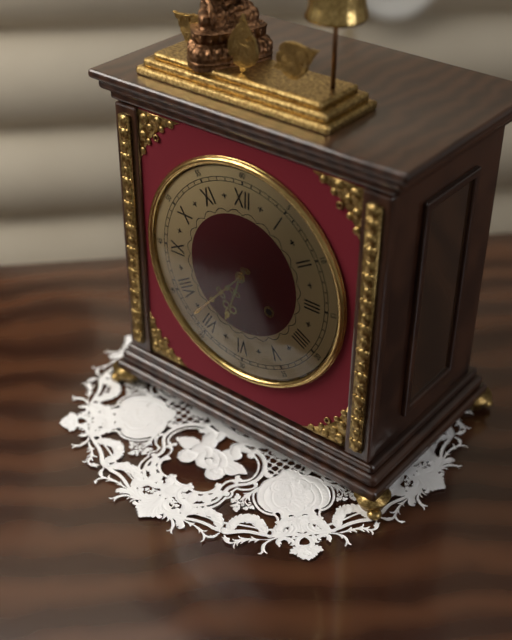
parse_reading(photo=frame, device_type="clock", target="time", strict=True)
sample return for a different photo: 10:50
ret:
6:37
